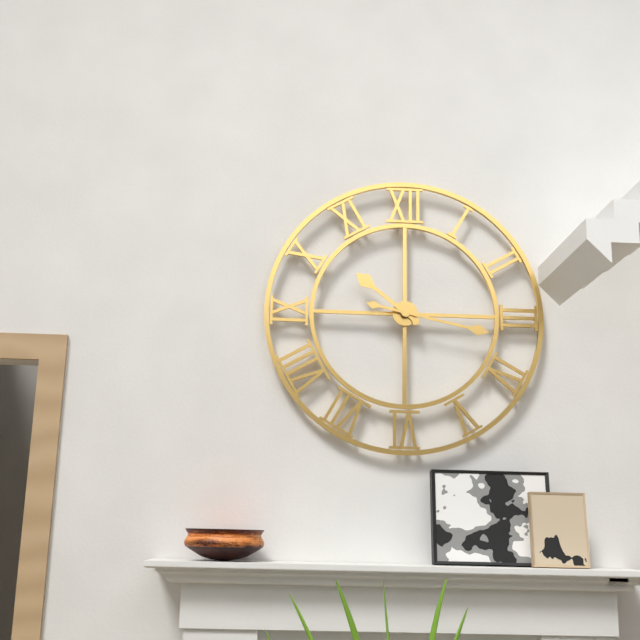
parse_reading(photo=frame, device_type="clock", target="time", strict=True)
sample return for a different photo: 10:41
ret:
10:17
